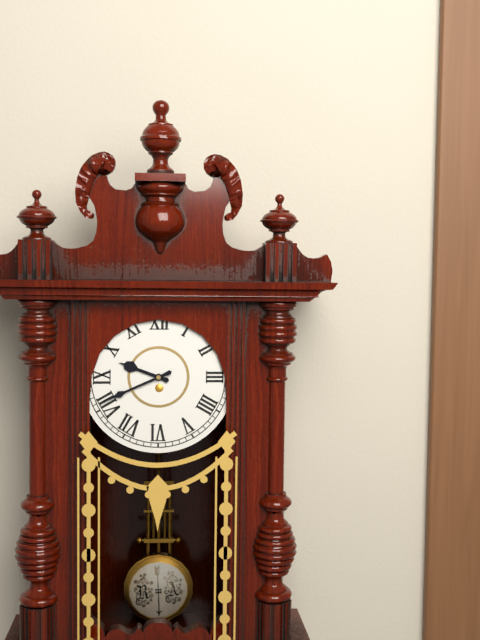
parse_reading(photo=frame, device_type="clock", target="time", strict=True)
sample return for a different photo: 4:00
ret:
9:41
